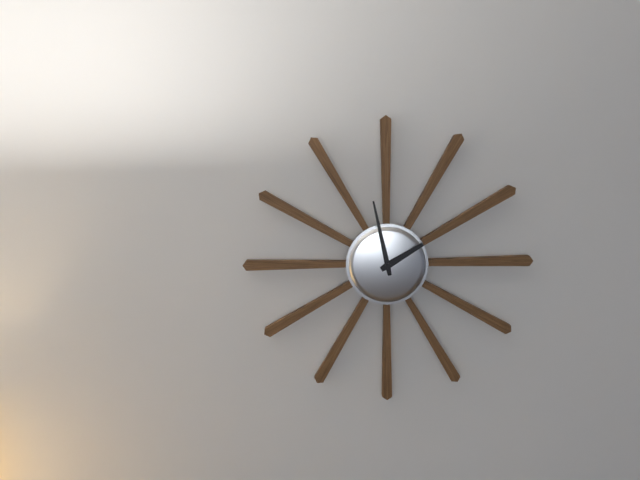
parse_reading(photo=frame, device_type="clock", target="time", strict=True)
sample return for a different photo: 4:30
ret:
1:58
